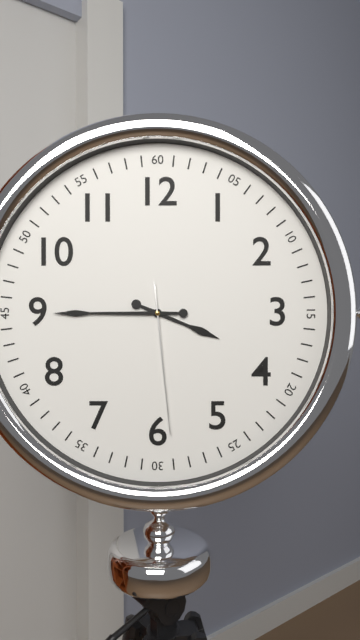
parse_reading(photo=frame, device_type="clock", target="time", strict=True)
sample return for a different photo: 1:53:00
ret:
3:45:29
